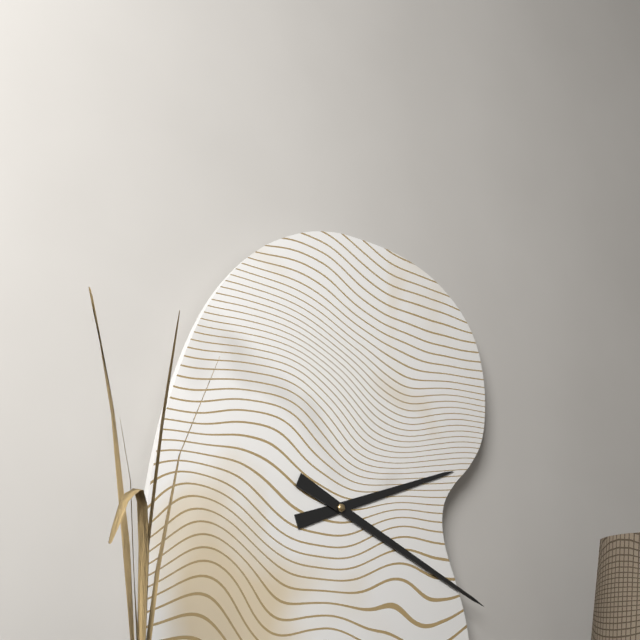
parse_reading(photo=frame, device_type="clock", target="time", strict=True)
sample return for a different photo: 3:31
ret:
2:19
